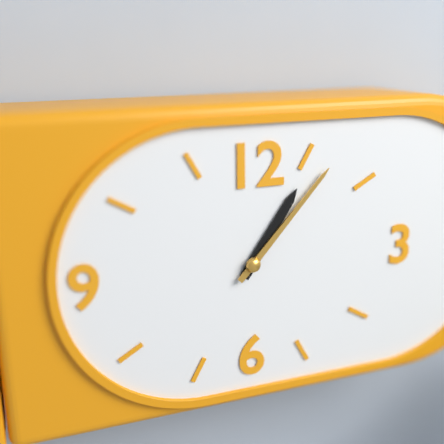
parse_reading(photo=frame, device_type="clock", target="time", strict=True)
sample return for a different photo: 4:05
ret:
1:07
